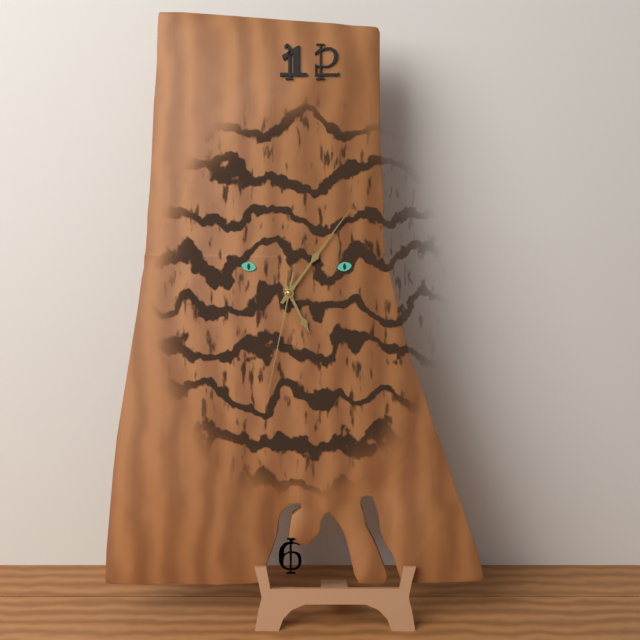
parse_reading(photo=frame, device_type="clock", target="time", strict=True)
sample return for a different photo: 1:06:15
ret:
5:06:32
